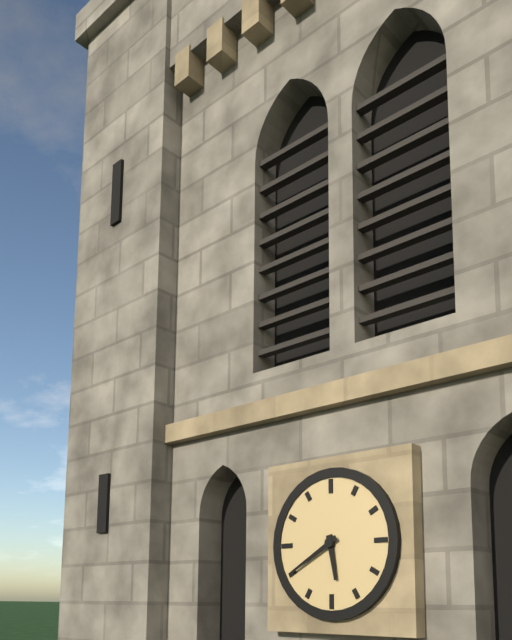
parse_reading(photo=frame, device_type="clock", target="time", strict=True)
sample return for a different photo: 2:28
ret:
5:40
